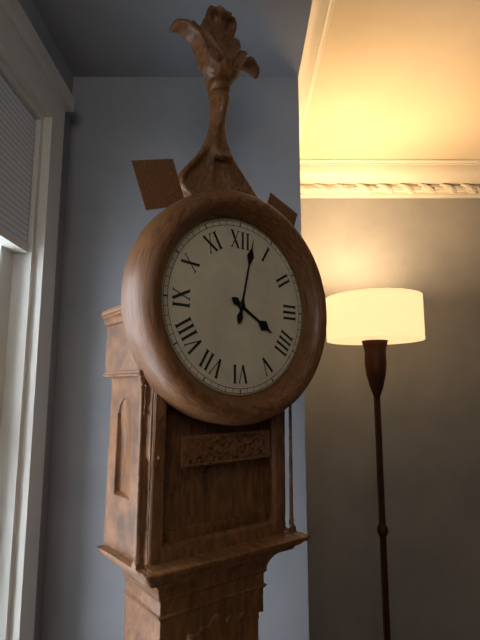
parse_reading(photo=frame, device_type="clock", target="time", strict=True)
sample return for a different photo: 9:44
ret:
4:02
